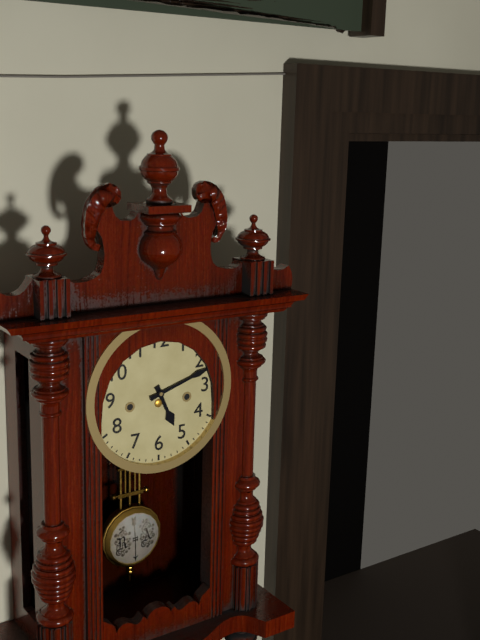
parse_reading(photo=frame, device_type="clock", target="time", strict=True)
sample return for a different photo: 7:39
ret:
5:12
